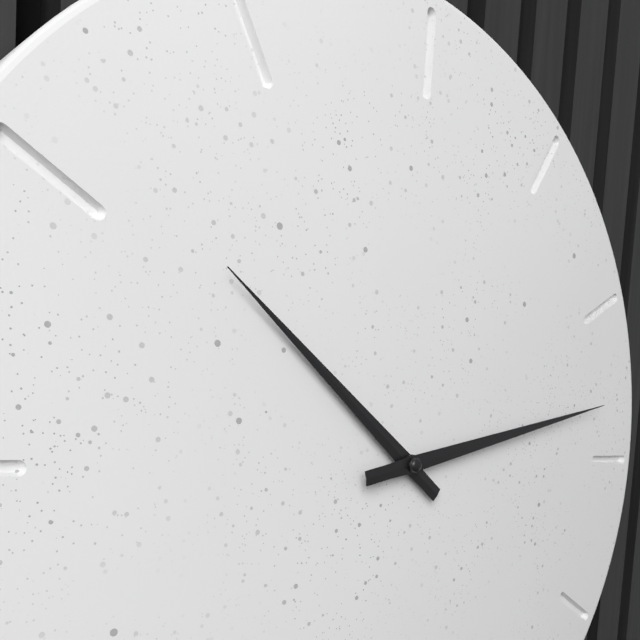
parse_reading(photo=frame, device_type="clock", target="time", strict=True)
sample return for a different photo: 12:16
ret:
10:13
